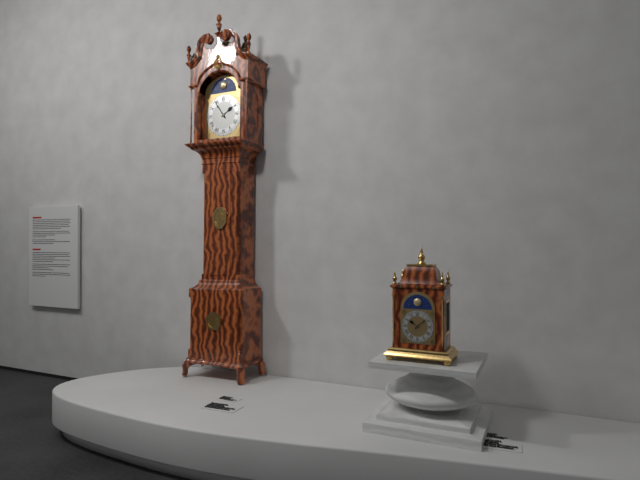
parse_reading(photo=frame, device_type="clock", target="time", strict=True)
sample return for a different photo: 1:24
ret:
1:54
